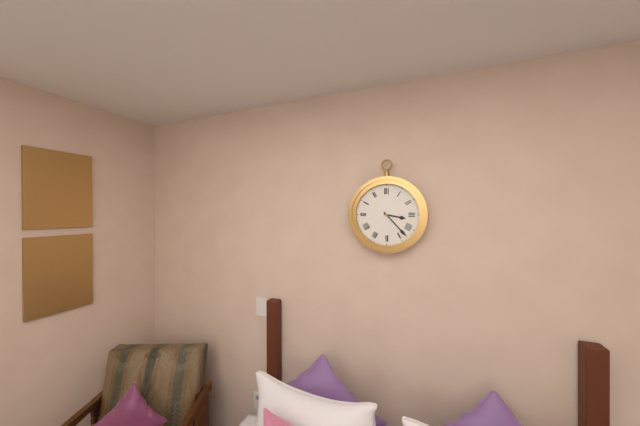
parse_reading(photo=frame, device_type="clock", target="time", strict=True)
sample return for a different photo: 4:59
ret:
3:23
